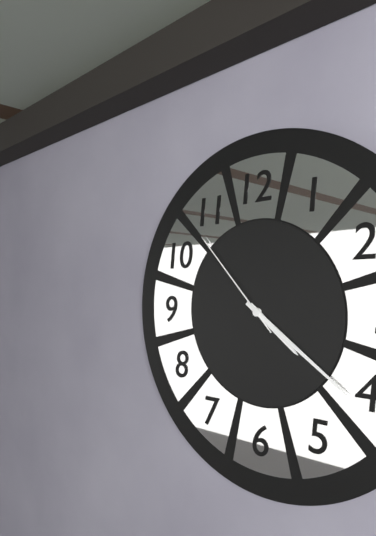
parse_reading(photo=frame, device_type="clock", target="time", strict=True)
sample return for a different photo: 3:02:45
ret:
4:21:53
